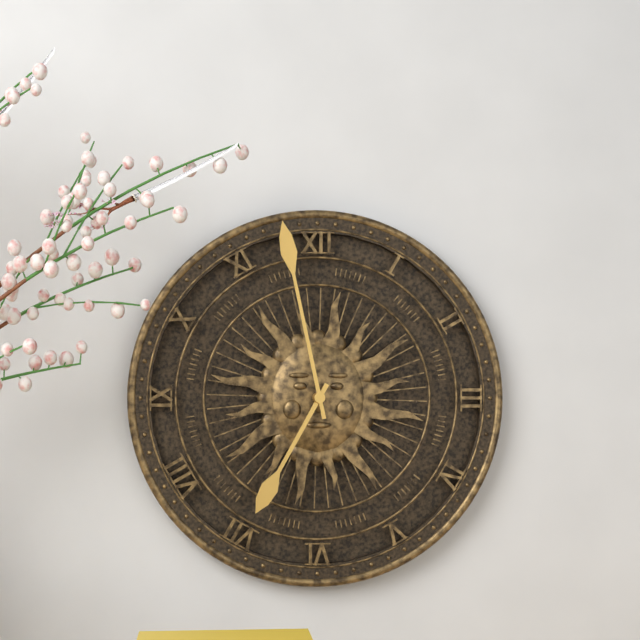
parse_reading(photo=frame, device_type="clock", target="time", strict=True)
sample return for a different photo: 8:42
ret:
6:58
